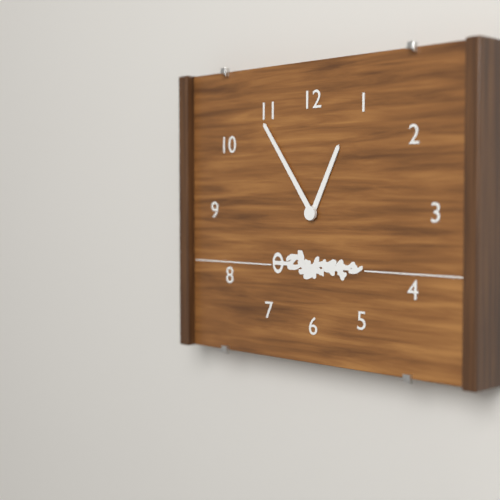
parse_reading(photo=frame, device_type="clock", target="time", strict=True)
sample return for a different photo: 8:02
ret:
12:54
